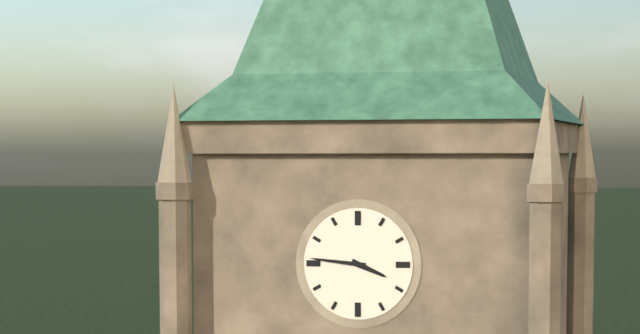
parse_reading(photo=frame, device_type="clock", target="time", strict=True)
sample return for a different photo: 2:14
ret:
3:46
